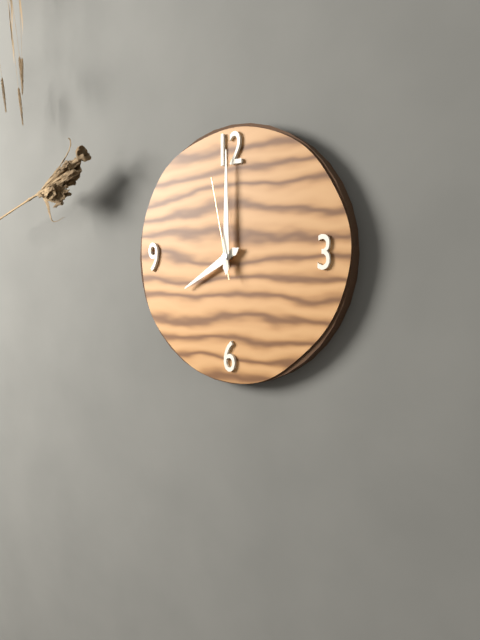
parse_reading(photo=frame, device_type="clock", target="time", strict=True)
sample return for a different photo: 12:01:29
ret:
8:00:58
